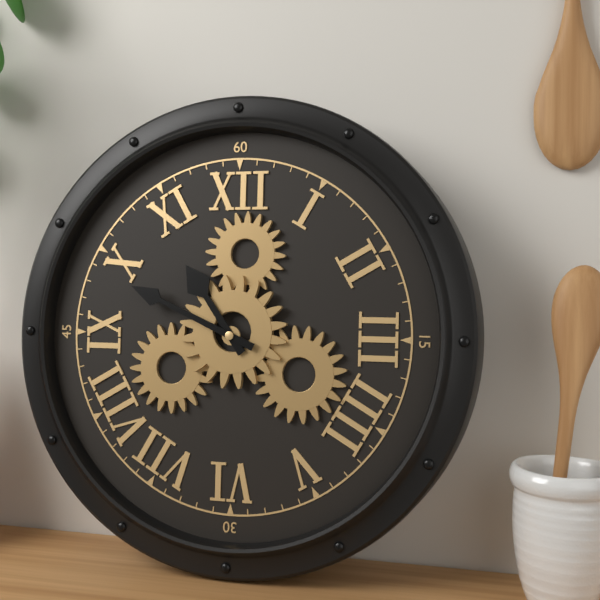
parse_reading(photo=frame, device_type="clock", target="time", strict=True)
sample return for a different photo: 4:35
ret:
10:49
